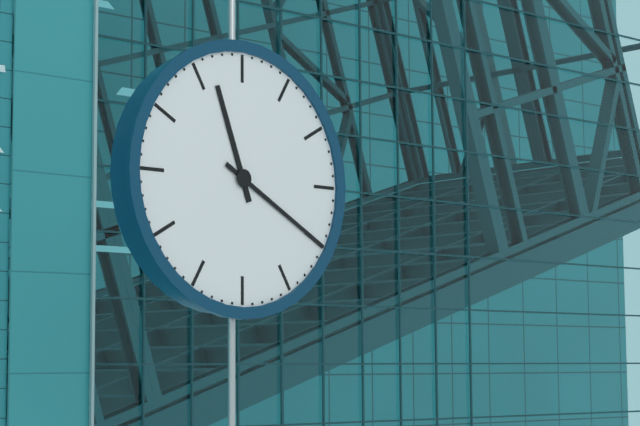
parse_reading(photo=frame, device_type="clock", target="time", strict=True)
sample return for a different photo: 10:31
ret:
11:20
